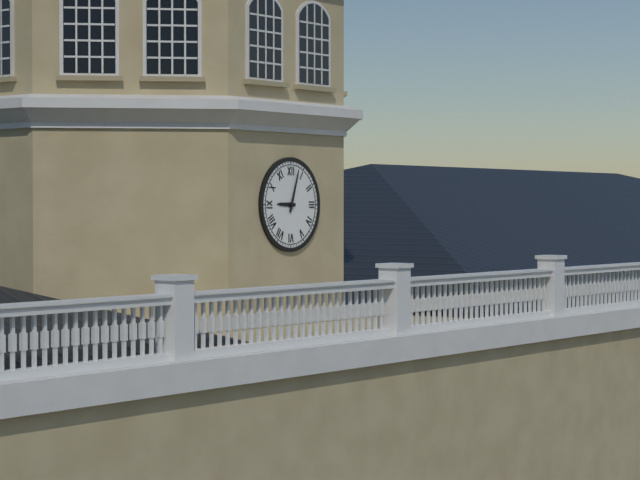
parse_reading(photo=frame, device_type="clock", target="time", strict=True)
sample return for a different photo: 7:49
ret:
9:03
